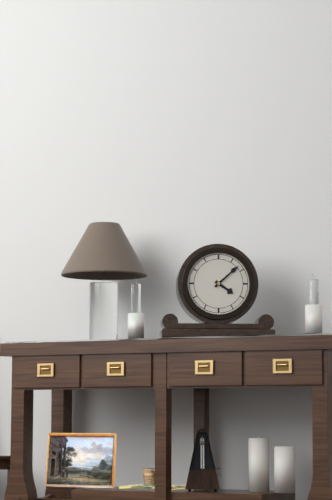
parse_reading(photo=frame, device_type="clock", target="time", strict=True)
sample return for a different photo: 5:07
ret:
4:08
